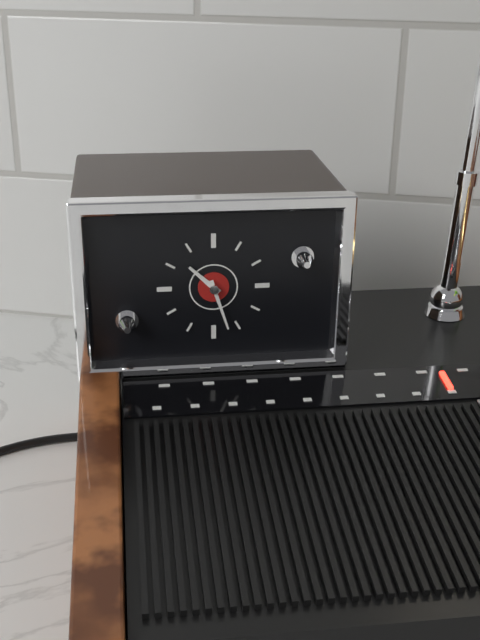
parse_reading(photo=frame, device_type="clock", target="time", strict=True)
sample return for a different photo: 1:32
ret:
10:27
